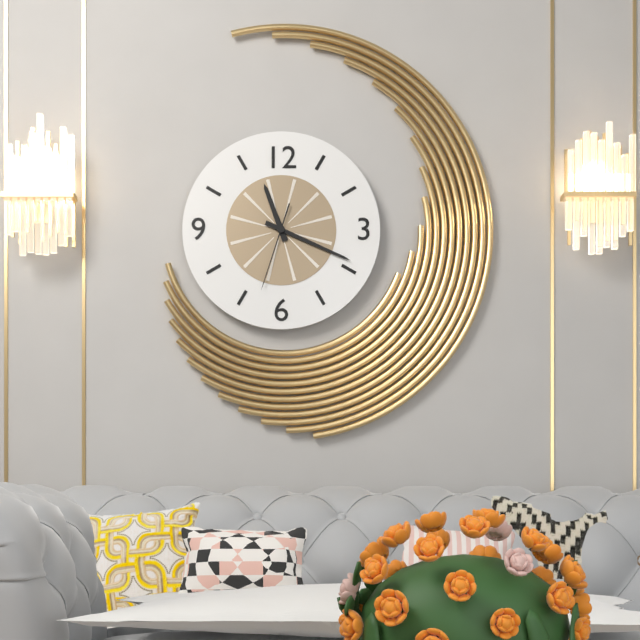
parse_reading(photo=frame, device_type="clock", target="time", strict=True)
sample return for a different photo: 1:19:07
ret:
11:19:33
